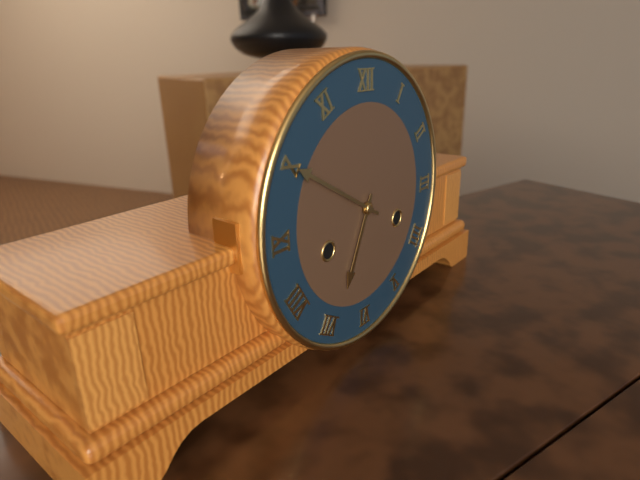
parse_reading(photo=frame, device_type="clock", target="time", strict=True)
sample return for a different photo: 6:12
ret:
6:50
